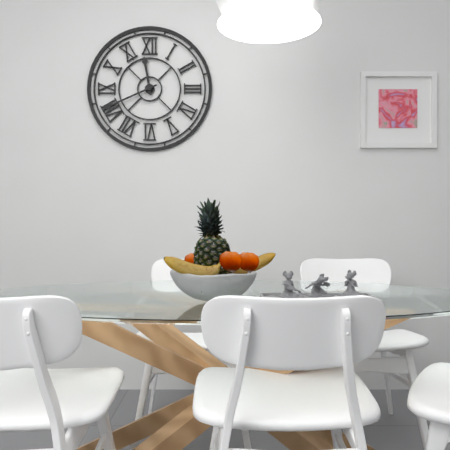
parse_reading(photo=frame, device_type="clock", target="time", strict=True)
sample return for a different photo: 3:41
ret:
11:41
